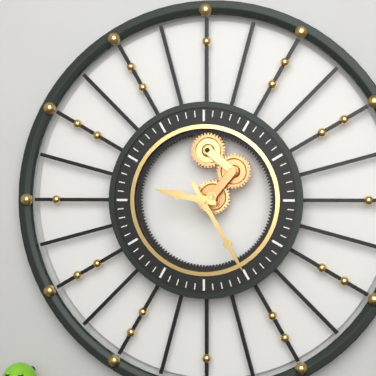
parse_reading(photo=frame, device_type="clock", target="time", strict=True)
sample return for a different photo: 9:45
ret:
9:25
